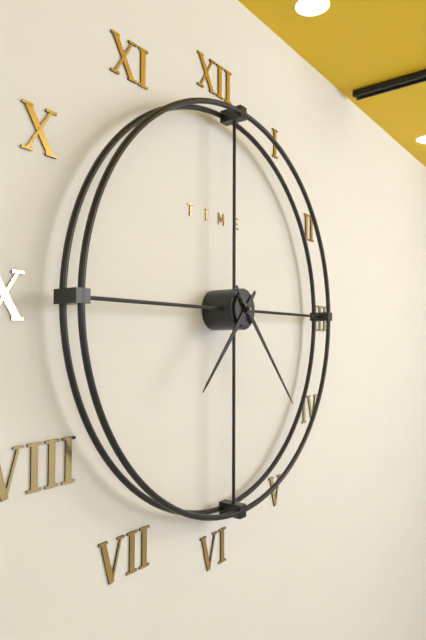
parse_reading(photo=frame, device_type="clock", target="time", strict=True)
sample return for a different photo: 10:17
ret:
7:23
